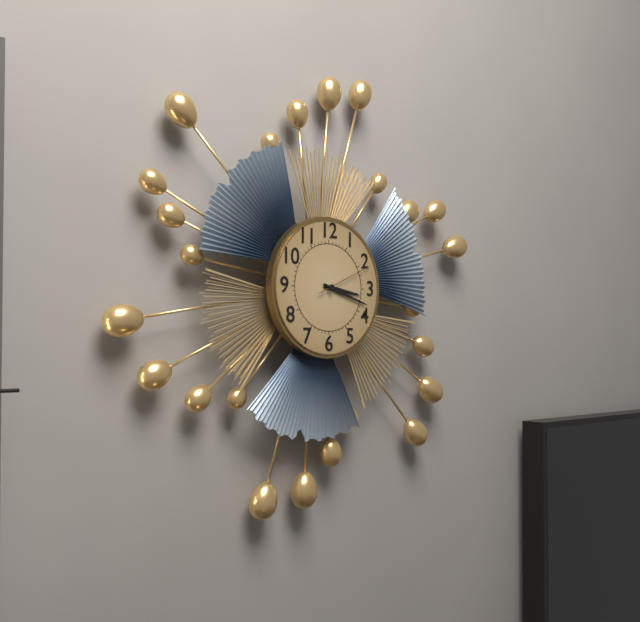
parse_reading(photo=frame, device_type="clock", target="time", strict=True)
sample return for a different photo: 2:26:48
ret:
3:18:11
